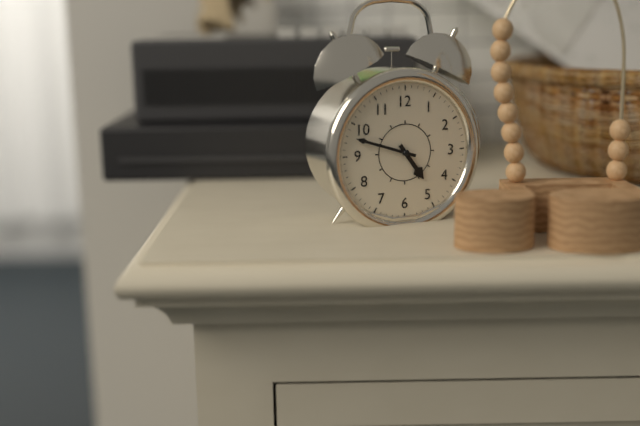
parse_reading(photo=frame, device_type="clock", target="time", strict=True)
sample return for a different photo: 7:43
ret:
4:48
